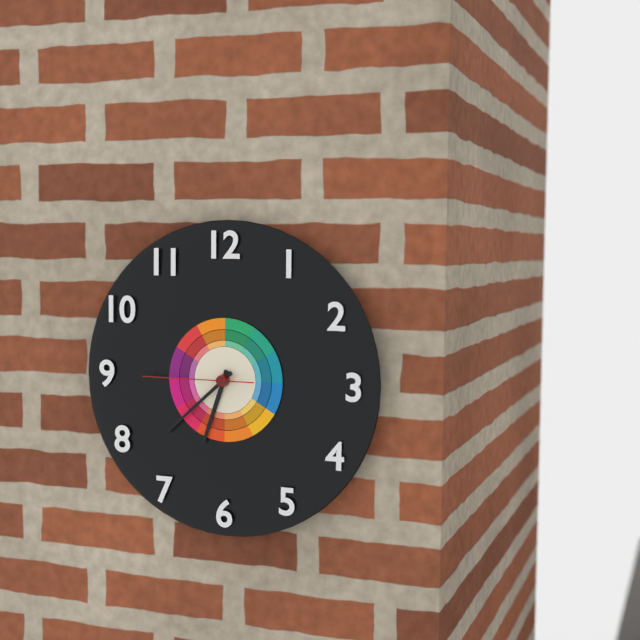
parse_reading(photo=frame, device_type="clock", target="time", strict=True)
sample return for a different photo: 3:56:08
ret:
6:38:45
